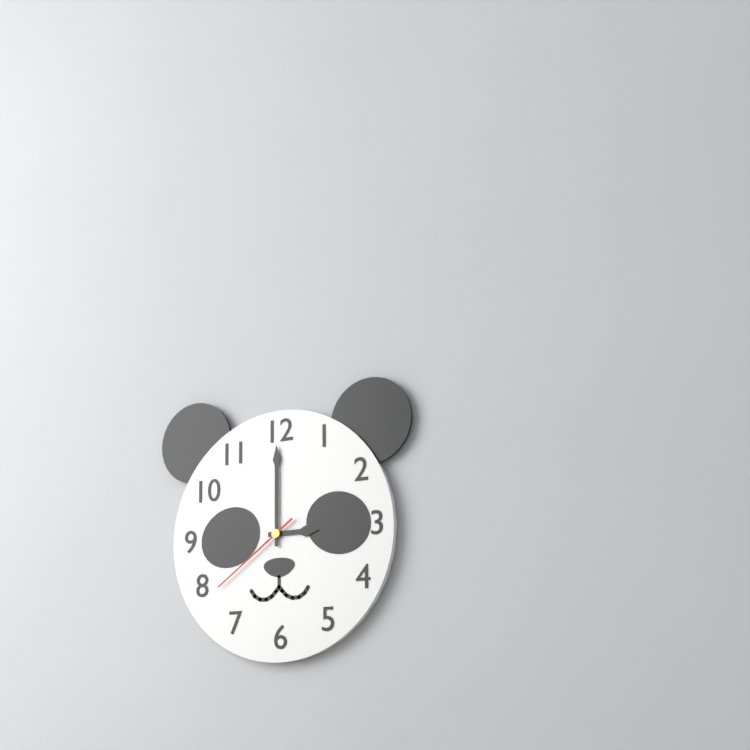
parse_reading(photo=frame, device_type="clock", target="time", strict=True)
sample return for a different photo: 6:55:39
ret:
3:00:39
